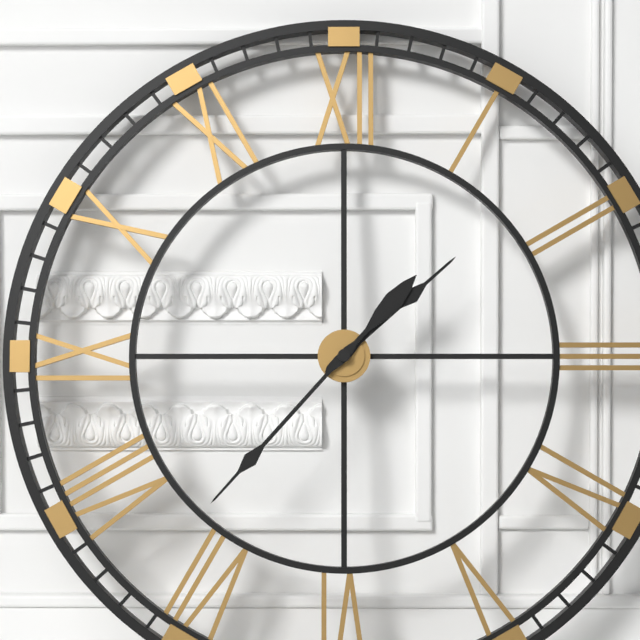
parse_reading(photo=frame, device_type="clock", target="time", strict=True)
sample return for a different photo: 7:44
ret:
1:37
